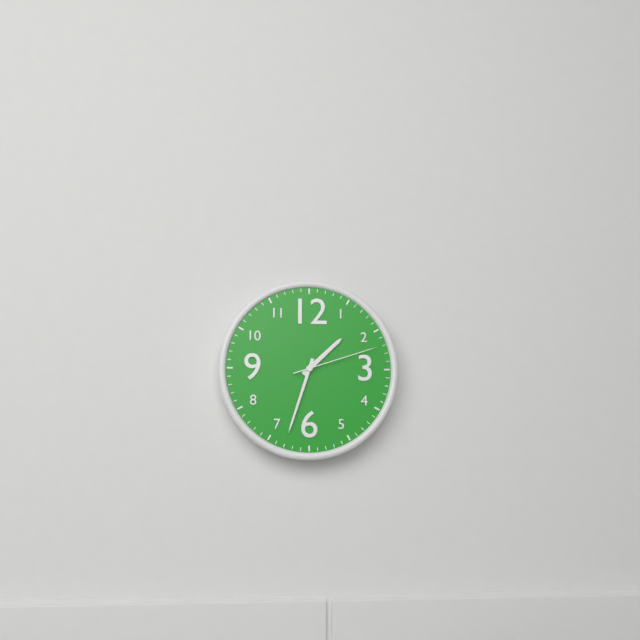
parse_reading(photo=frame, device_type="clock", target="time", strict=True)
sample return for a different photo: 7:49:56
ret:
1:33:12
